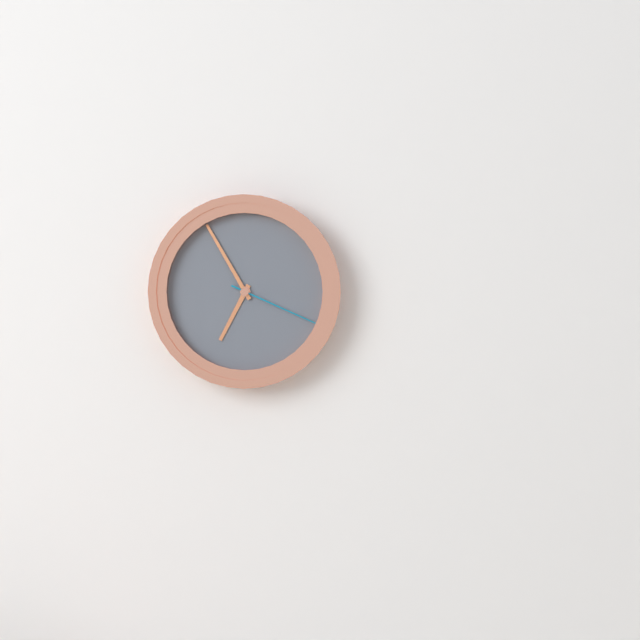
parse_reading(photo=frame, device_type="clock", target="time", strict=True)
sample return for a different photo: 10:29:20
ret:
6:55:19
